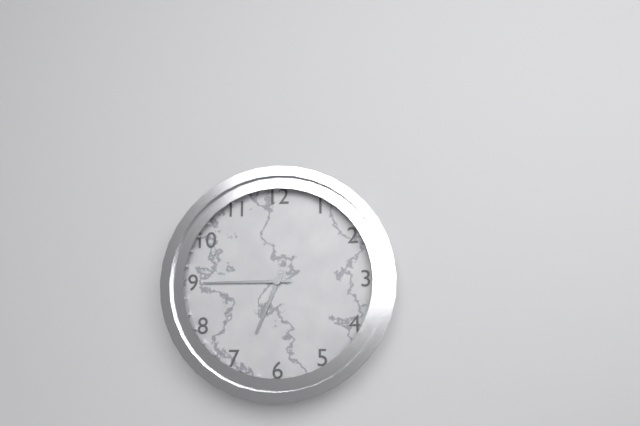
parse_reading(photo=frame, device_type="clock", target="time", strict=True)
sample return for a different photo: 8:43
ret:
6:45
